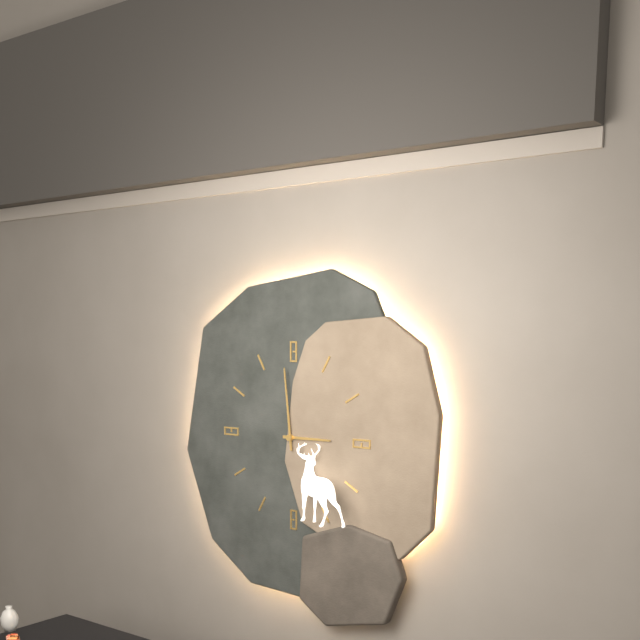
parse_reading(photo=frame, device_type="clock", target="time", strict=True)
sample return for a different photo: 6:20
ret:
2:59
